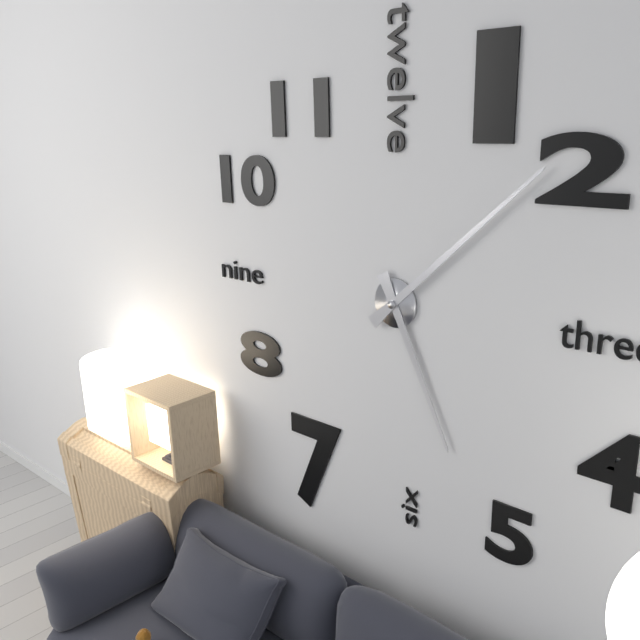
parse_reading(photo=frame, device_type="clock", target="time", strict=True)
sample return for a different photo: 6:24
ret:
5:08
